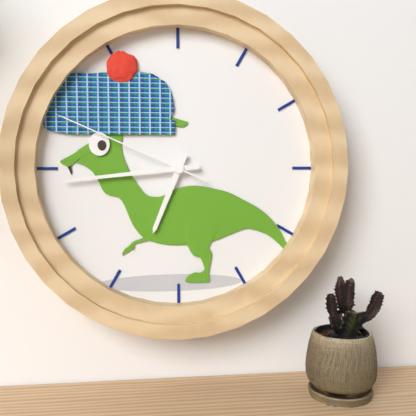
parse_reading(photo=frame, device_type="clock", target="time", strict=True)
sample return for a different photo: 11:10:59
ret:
6:44:49
